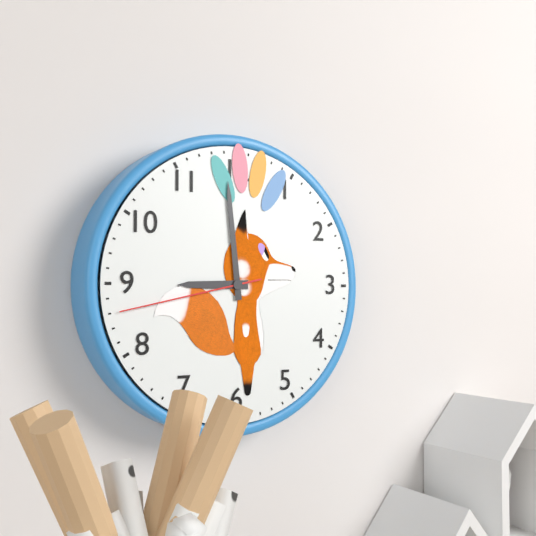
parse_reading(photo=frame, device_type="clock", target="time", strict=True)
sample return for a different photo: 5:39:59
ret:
8:59:43
